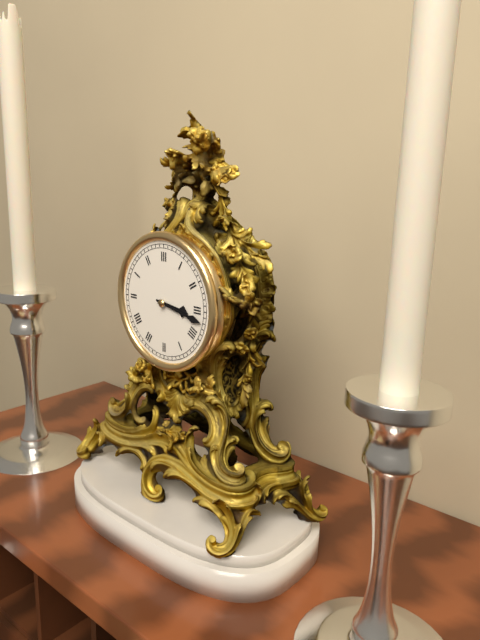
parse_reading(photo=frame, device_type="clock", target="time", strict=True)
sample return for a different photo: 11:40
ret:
3:17
